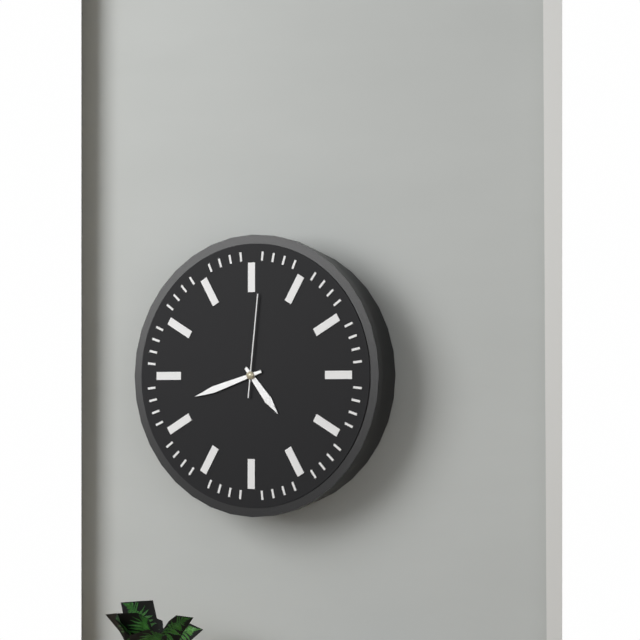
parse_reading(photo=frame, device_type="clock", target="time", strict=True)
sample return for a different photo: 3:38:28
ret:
4:42:01
